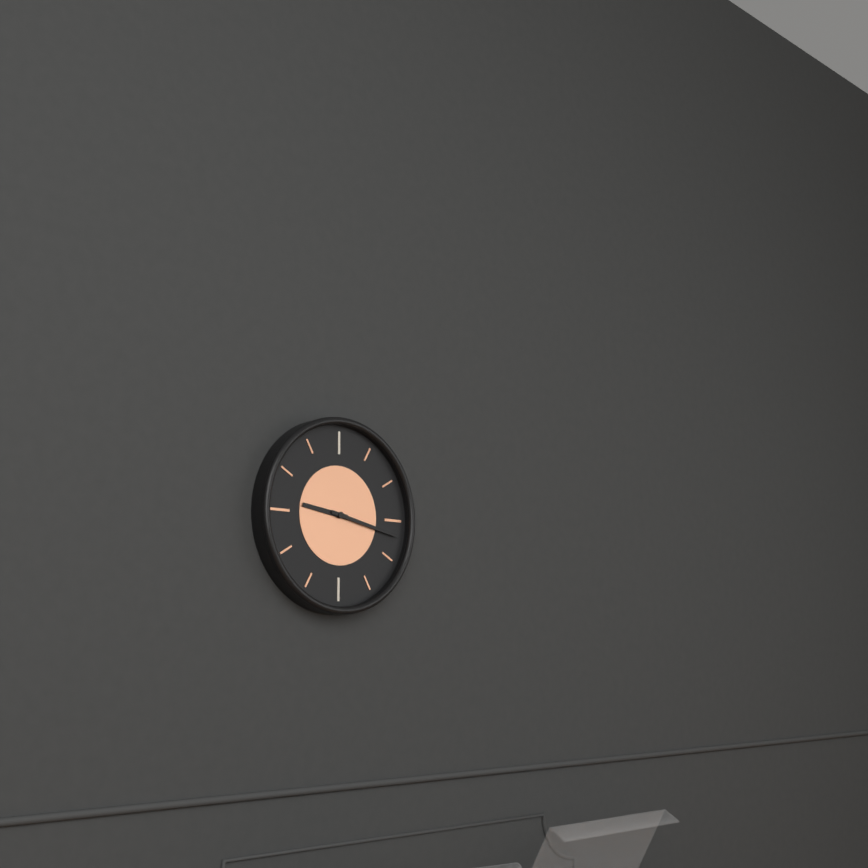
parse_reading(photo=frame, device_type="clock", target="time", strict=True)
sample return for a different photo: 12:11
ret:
9:17
